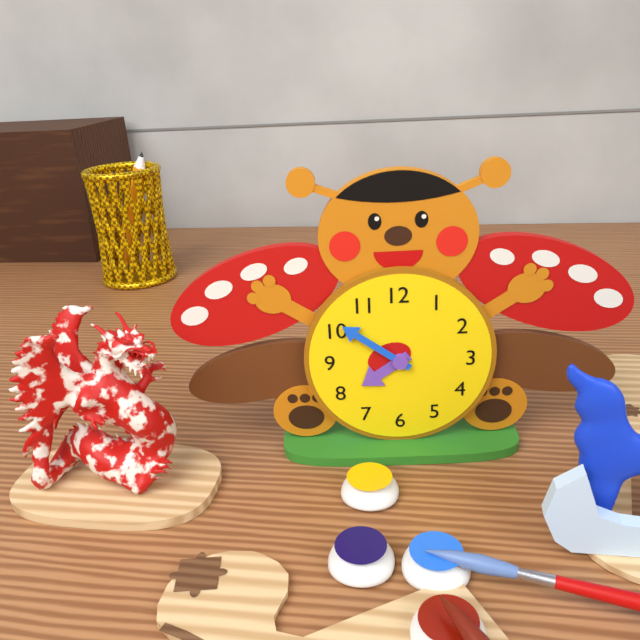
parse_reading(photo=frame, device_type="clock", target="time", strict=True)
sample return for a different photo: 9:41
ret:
7:51
